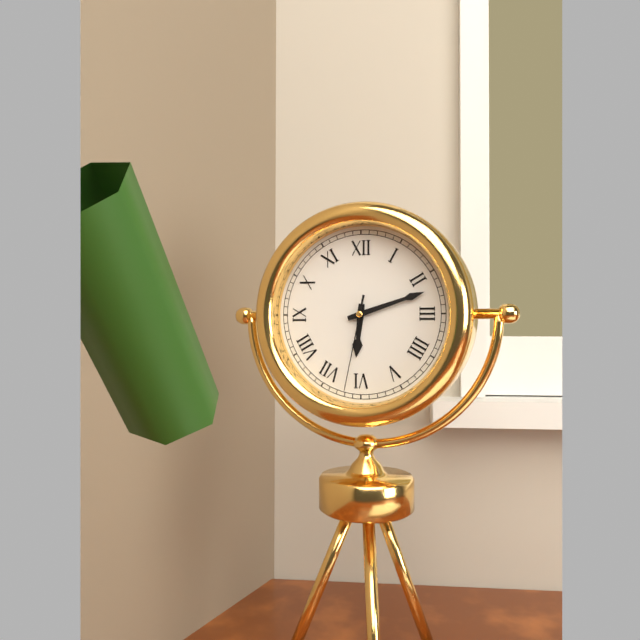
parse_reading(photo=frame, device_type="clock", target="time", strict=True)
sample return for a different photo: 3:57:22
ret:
6:12:32
